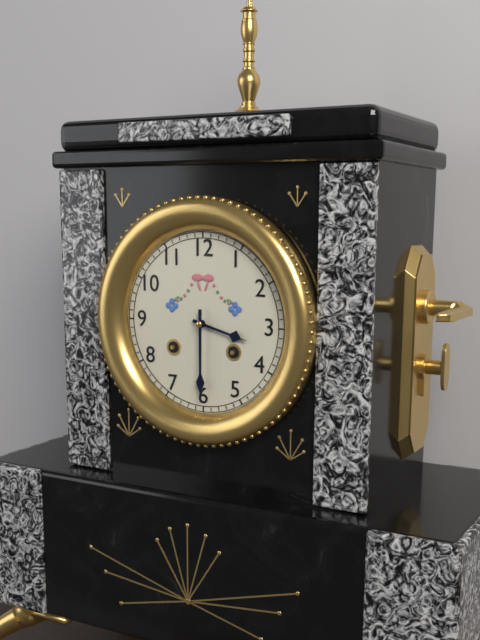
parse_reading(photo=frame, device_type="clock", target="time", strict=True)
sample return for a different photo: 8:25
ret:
3:30
